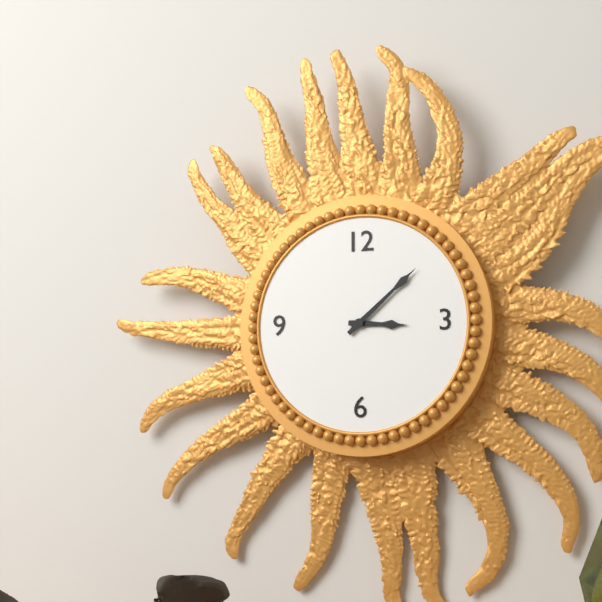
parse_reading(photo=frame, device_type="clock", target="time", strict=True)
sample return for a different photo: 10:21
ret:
3:08
